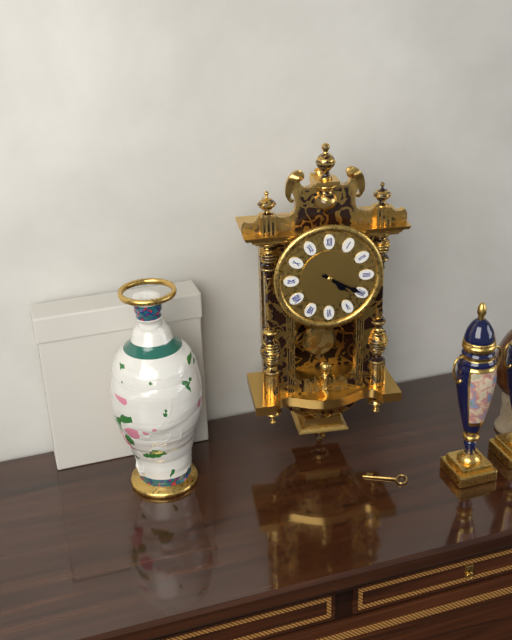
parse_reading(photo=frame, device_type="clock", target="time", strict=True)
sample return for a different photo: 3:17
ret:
4:20
